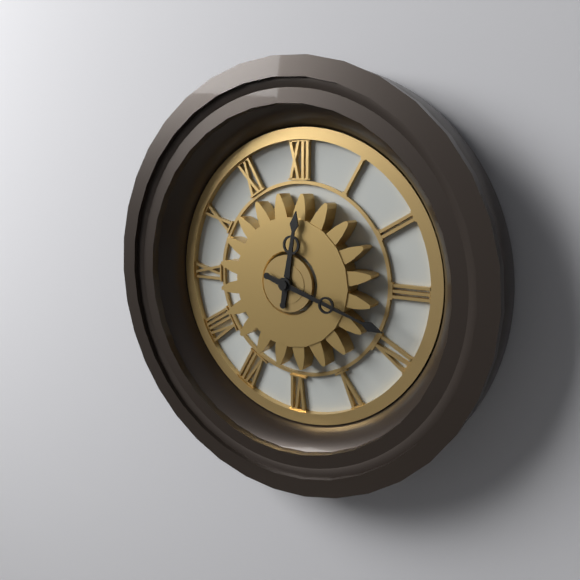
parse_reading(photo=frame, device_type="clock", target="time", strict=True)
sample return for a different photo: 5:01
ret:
12:18
